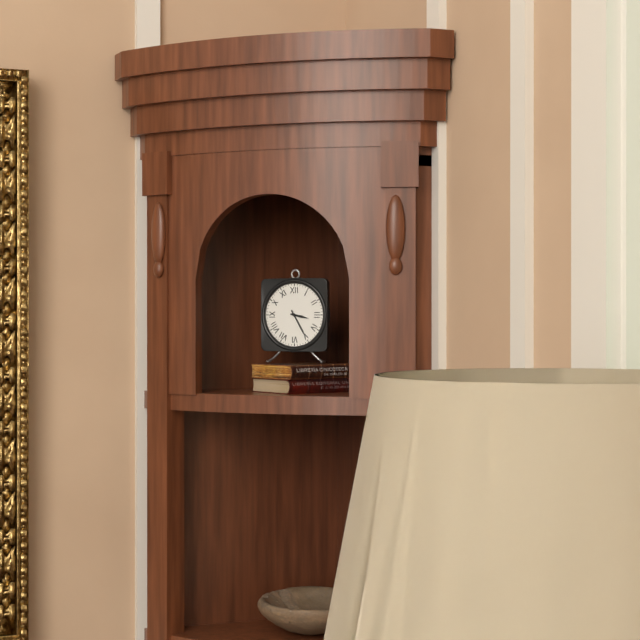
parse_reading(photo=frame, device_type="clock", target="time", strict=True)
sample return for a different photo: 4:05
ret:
3:25
